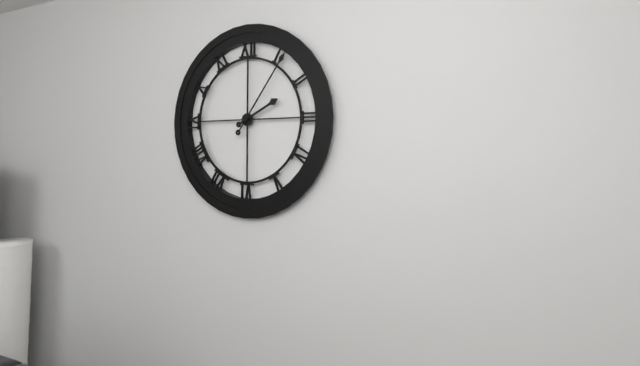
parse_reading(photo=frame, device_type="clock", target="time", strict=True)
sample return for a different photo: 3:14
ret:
2:06
